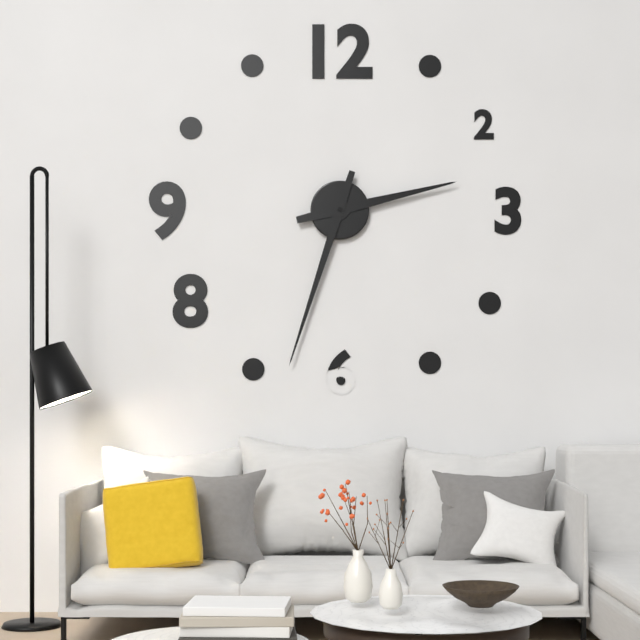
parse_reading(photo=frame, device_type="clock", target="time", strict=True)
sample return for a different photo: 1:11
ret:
2:33
